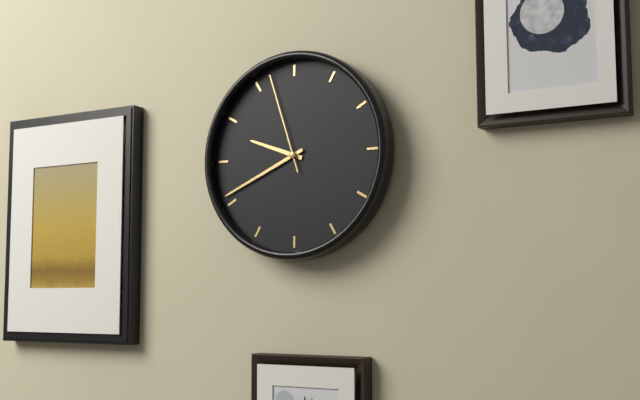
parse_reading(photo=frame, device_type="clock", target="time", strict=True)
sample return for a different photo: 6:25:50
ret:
9:41:57
